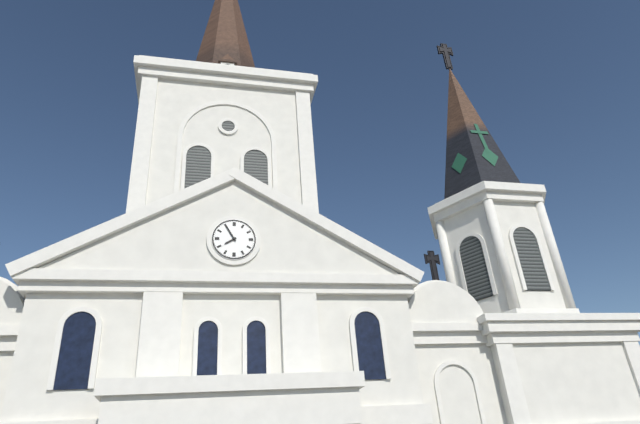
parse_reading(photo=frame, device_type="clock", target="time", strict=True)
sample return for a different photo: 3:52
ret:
7:55
